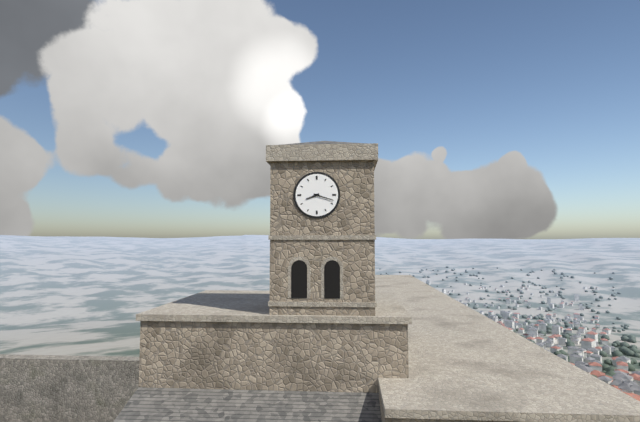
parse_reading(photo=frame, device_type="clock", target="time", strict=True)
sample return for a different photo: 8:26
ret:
8:18
